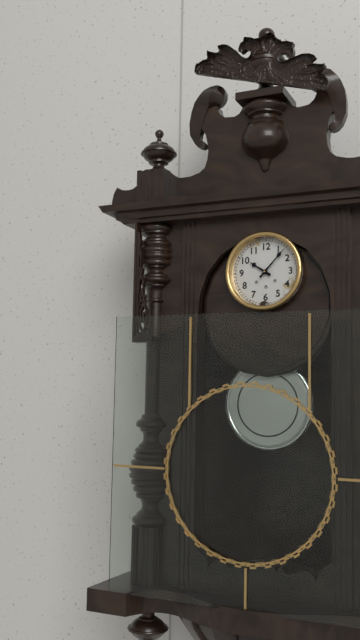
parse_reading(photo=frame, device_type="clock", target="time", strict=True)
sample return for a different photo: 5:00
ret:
10:07
